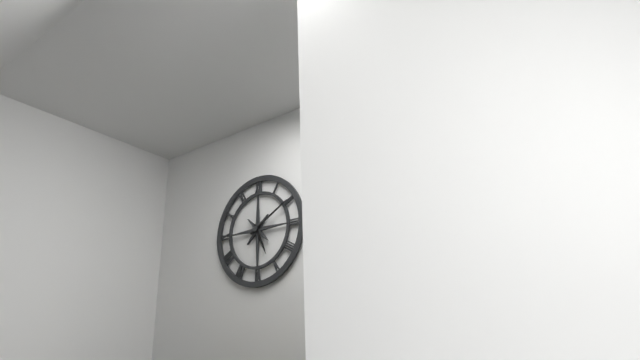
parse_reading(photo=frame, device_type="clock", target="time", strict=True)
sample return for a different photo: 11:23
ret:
5:10
